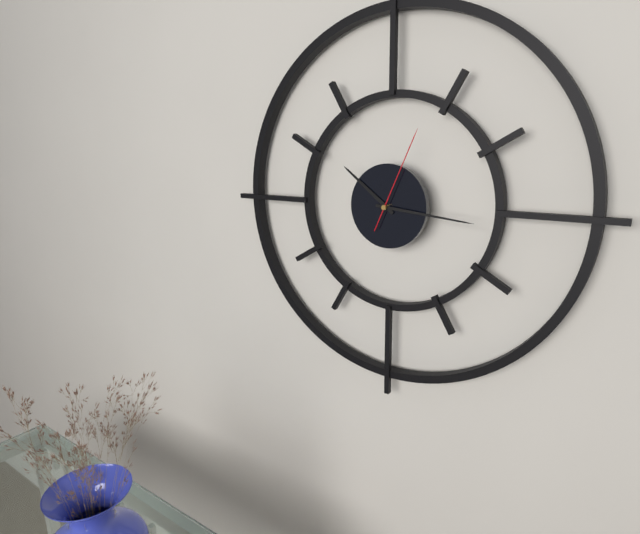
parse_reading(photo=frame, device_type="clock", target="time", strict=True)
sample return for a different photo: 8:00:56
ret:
10:16:04
